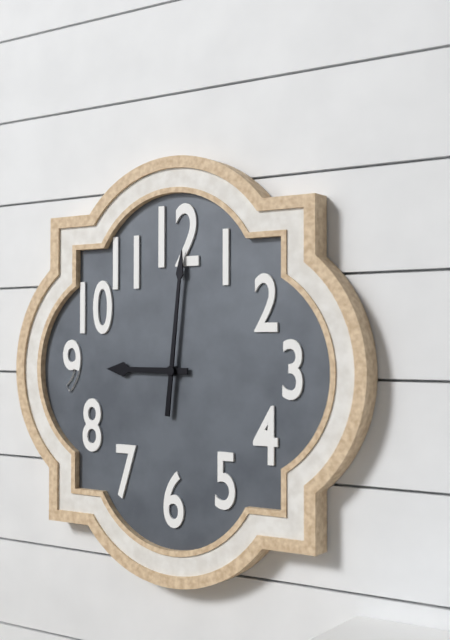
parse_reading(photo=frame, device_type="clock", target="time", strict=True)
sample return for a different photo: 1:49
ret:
9:01
